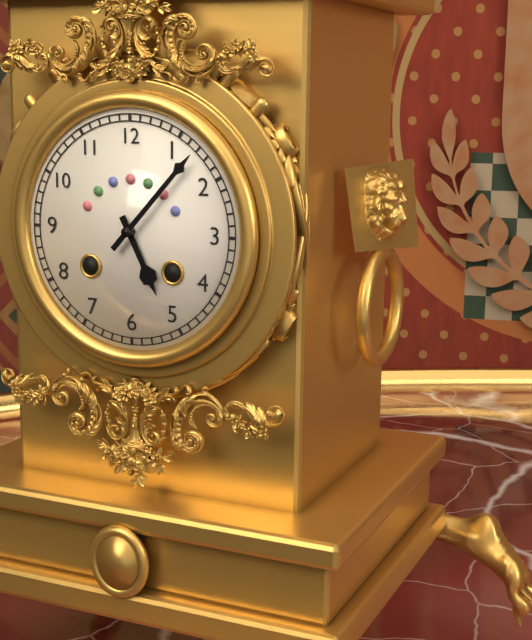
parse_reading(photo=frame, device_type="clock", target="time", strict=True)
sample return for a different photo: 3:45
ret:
5:07
